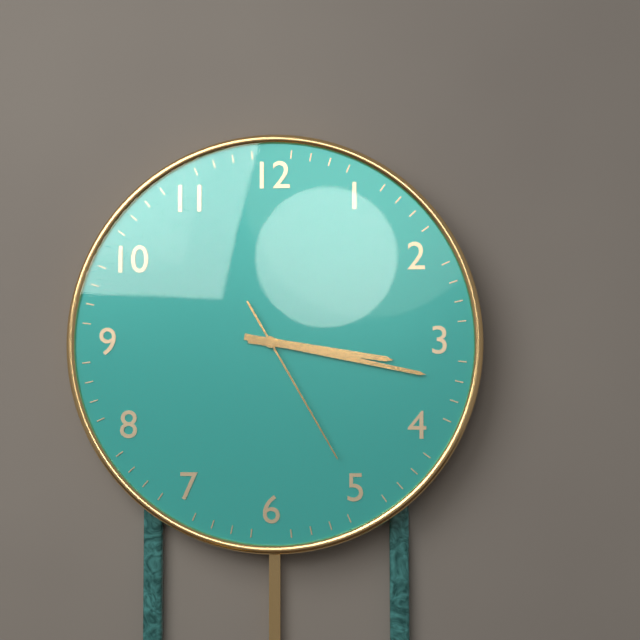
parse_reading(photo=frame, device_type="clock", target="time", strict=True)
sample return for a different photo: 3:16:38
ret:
3:17:25
